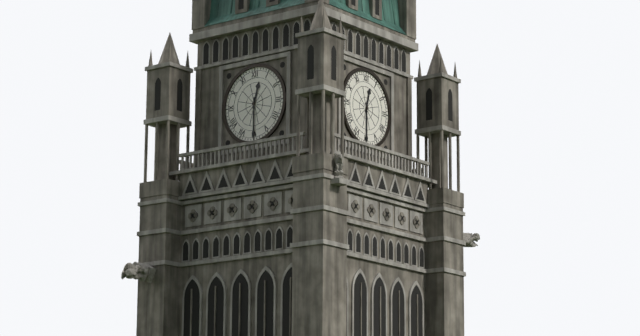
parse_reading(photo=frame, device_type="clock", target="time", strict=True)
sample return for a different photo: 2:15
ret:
12:30
